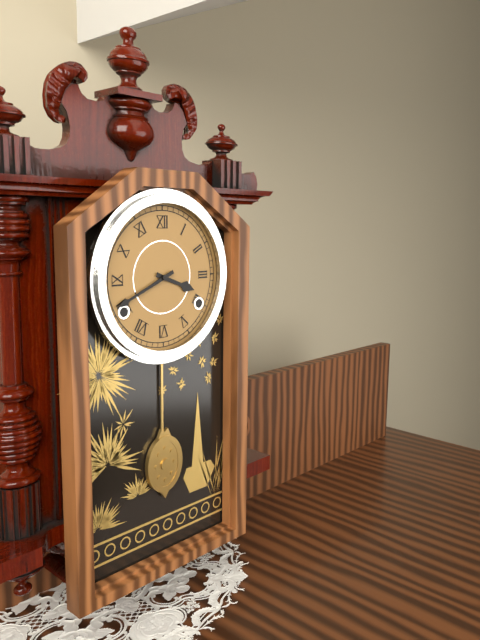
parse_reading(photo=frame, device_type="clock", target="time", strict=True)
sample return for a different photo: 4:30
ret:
3:41
